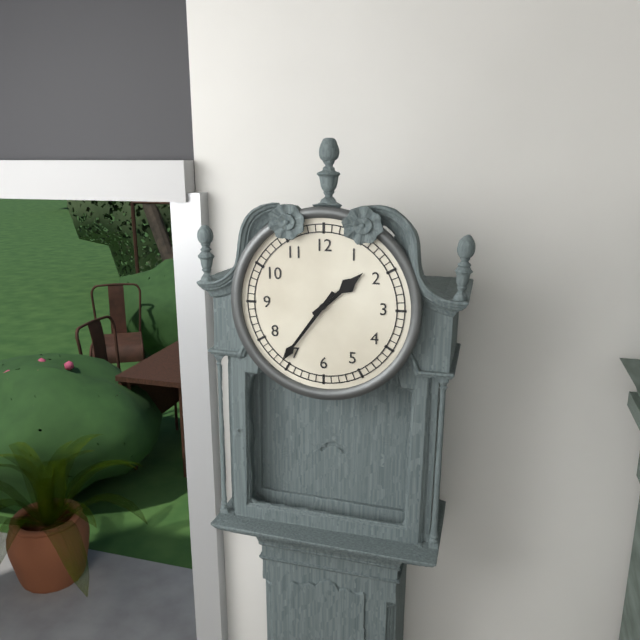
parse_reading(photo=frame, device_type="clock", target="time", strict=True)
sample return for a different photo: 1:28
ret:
1:36
